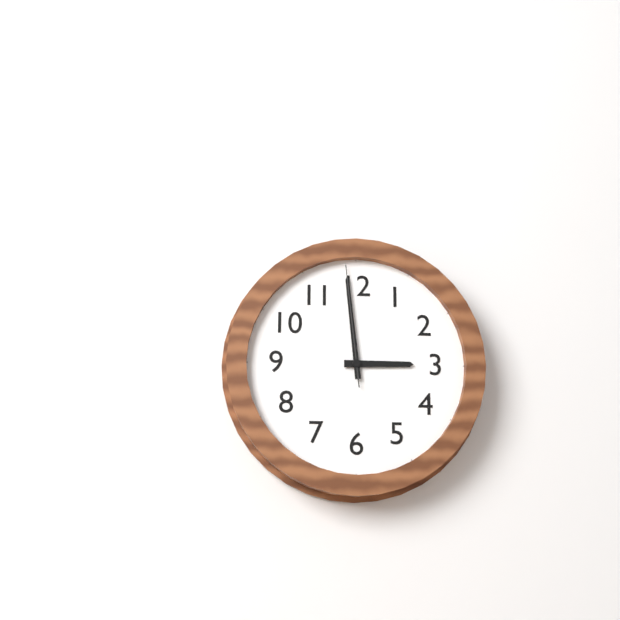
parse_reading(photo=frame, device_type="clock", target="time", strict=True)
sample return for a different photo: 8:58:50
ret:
2:59:59
